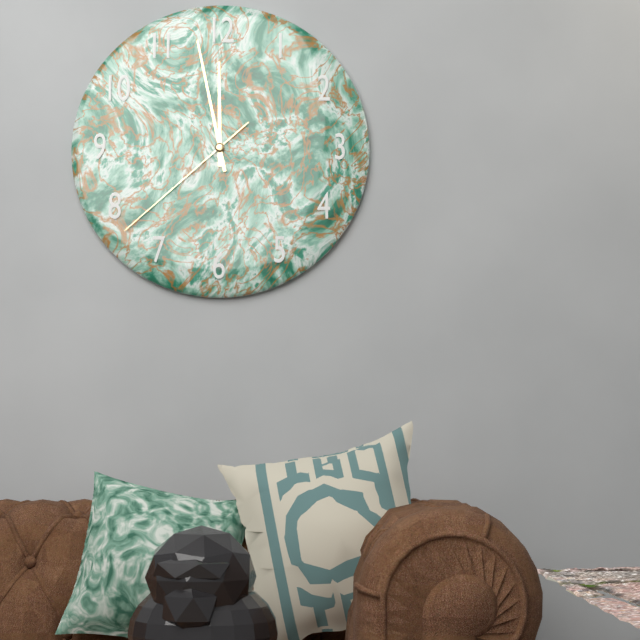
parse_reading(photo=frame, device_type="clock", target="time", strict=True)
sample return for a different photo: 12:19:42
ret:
11:58:38
